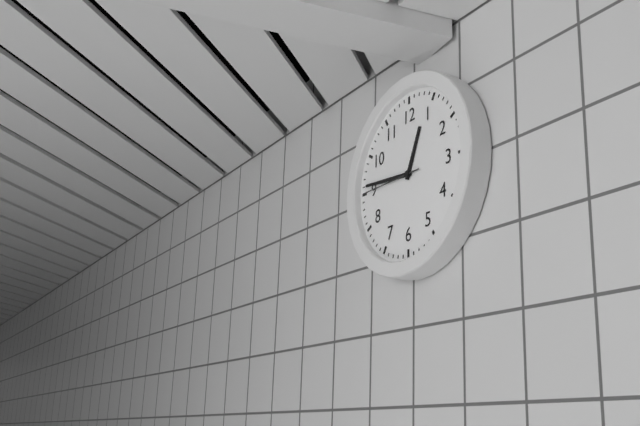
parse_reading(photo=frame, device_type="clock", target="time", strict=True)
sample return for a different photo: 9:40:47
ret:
12:46:45
